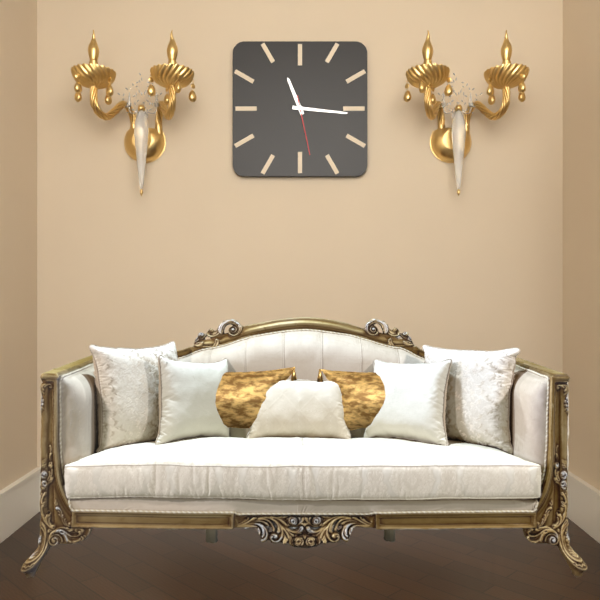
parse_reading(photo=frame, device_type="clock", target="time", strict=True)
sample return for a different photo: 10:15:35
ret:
11:16:28
